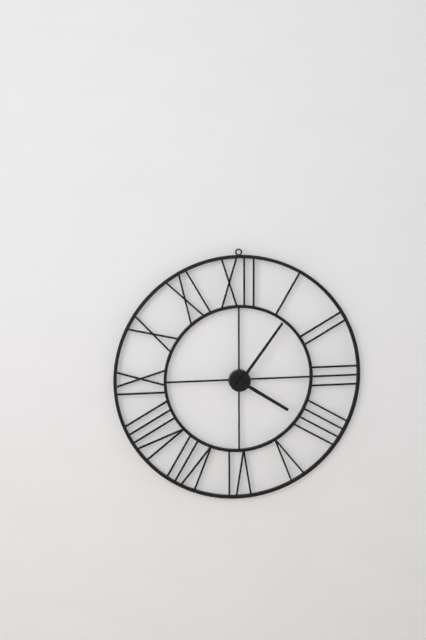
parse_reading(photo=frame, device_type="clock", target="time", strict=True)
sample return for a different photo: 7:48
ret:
4:06
